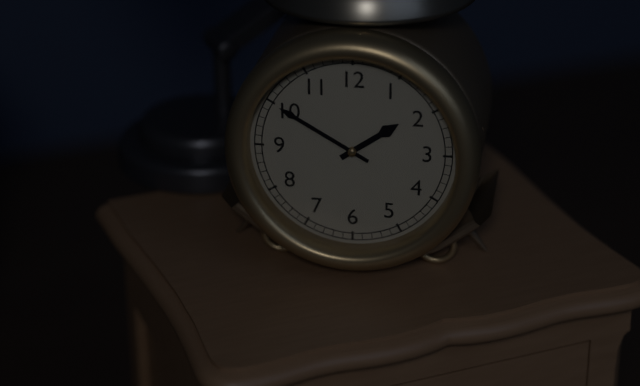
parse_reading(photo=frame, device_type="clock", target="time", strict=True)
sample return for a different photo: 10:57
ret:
1:50
